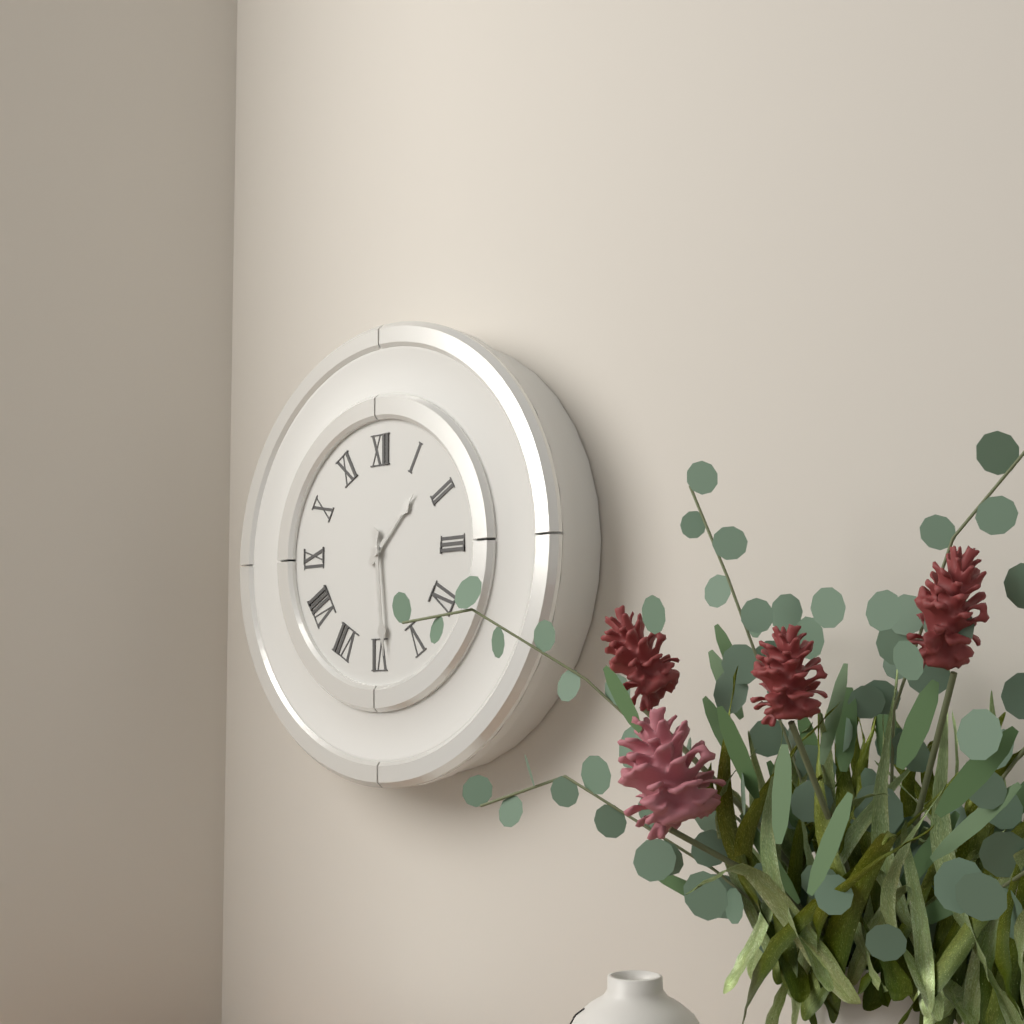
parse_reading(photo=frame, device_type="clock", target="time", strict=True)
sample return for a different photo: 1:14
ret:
1:29
